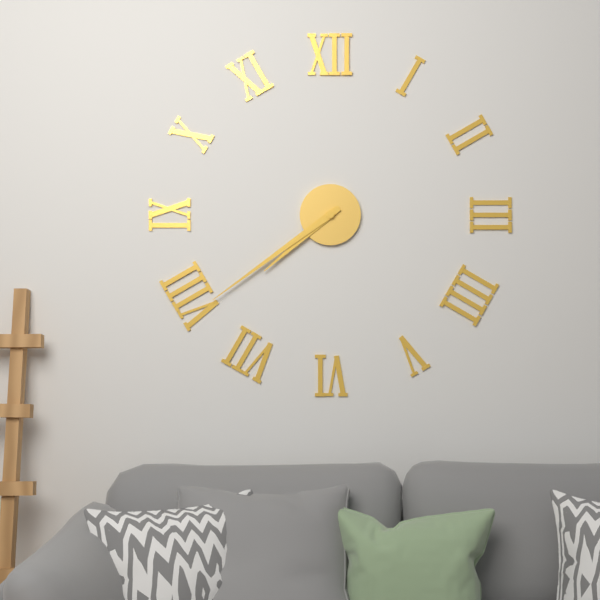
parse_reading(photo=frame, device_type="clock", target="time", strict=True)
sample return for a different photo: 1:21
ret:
7:39
